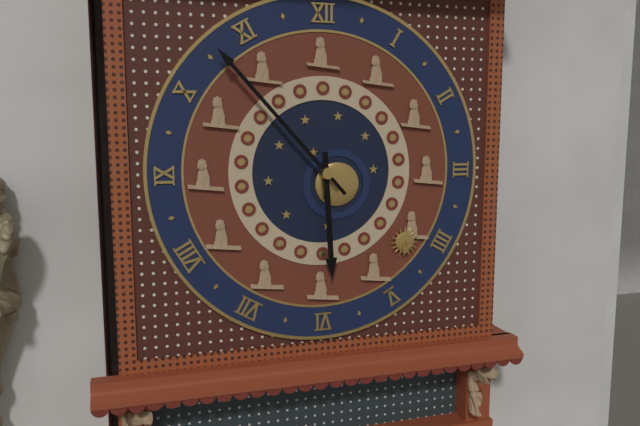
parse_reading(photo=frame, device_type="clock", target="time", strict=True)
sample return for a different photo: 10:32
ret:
5:53
